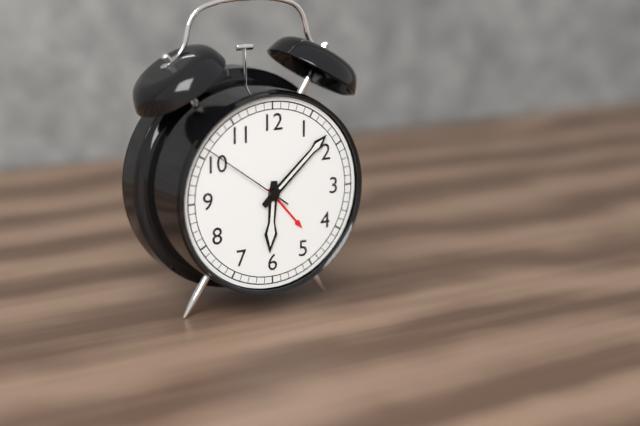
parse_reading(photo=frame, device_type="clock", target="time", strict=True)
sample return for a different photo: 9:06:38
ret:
6:08:51
